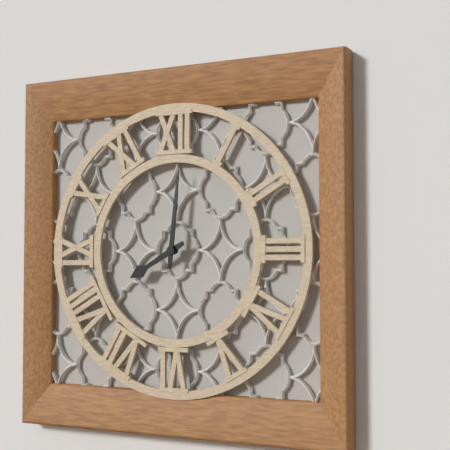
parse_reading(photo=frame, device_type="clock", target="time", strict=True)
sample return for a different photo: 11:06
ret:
8:01
